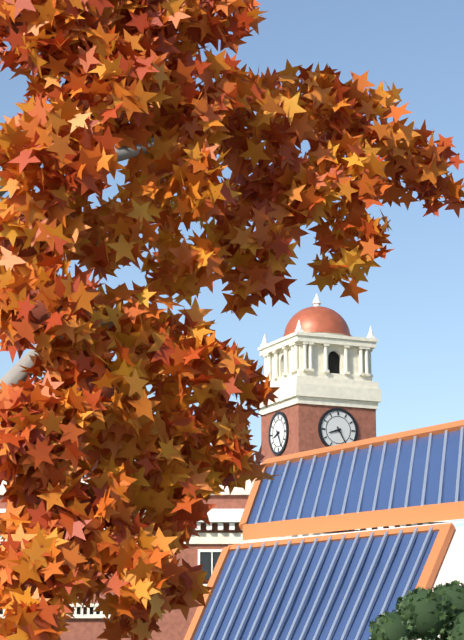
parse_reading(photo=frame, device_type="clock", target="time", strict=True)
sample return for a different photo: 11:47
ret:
8:25
